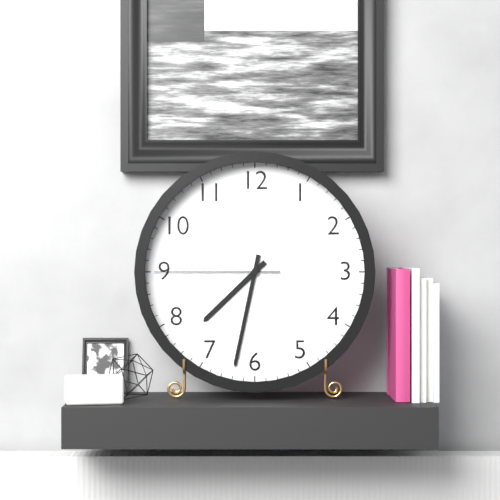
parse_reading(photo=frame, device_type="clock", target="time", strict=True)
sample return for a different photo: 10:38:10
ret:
7:32:45
